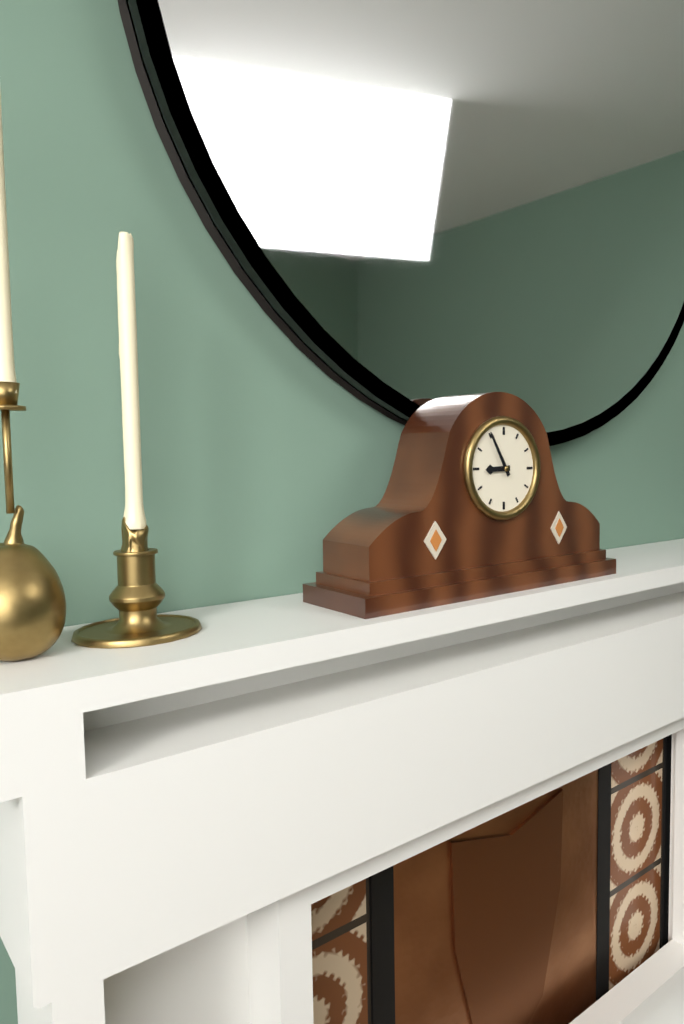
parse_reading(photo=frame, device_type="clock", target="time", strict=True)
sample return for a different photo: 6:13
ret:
8:55
